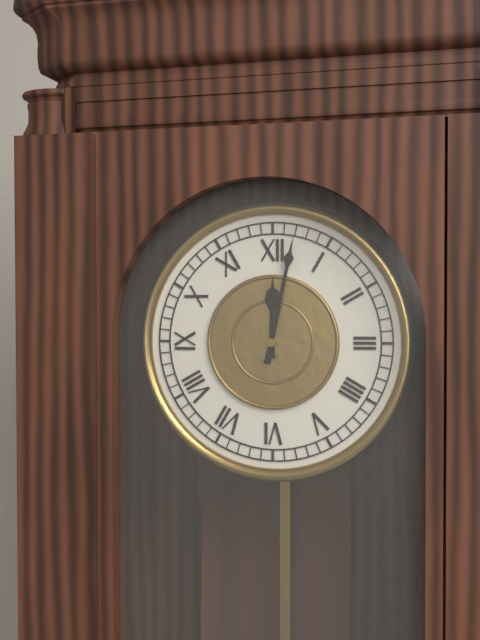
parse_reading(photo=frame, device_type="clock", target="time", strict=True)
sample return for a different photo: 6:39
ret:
12:02
